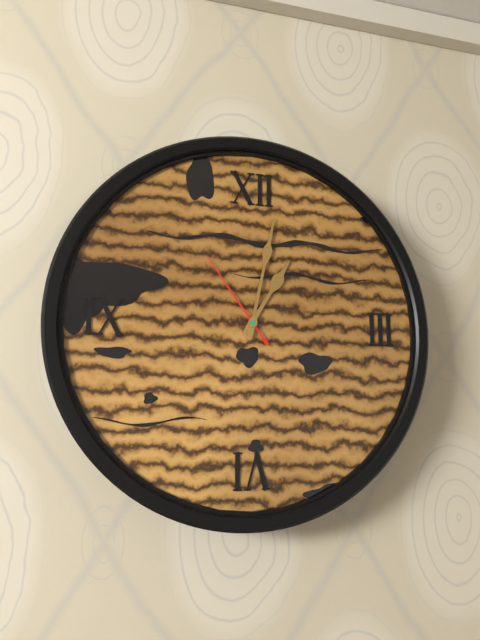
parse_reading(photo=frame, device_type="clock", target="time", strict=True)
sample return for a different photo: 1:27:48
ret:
1:02:54
